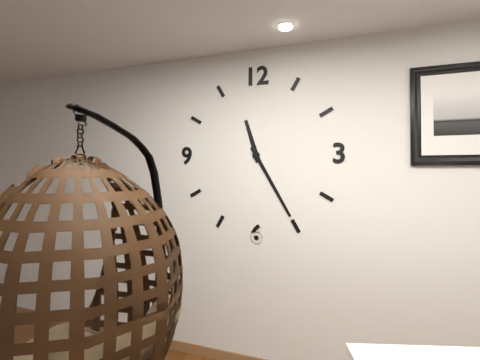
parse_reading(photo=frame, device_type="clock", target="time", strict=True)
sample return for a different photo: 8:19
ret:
11:25
